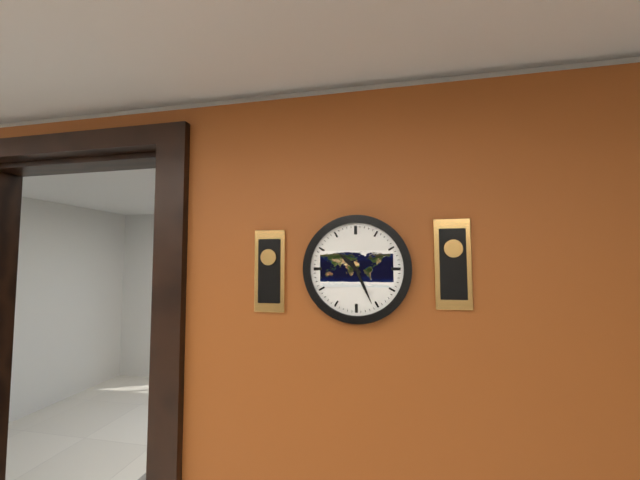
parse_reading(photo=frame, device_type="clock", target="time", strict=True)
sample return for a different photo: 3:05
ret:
10:26
